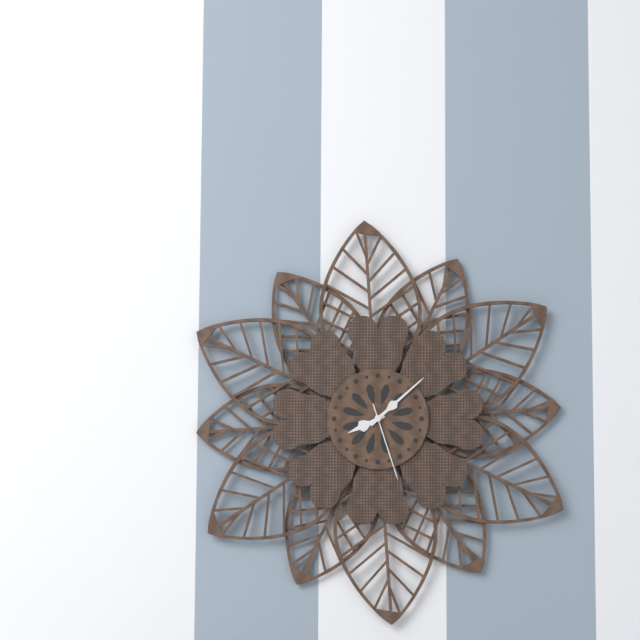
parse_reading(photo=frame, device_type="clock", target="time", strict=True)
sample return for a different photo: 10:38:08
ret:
8:08:27
